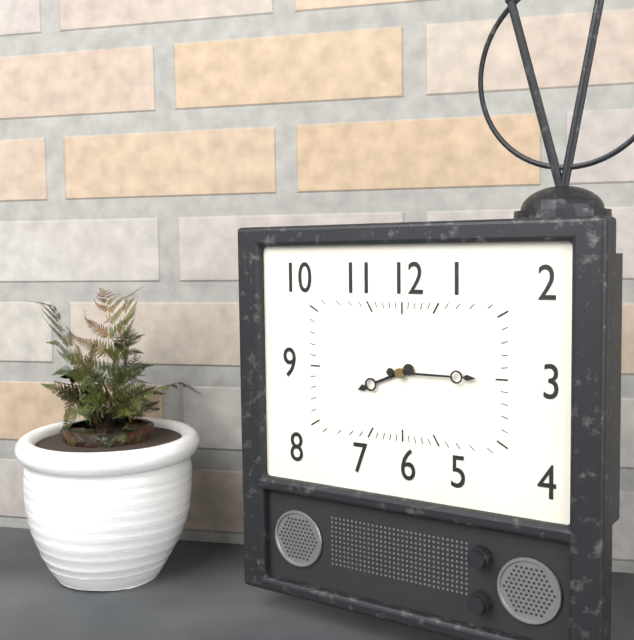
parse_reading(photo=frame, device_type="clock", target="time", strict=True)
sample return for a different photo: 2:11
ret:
8:15
